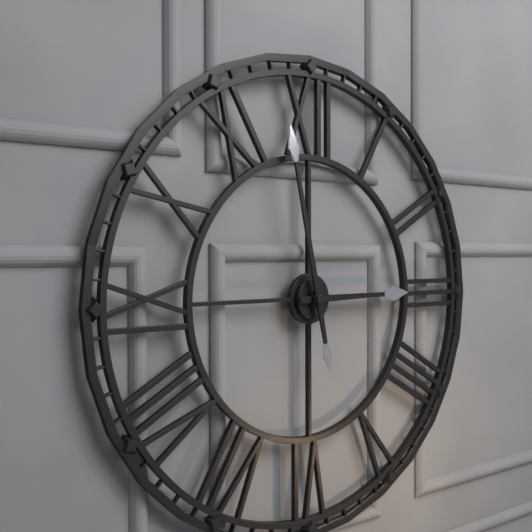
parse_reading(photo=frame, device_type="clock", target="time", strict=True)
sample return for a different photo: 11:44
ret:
2:58
